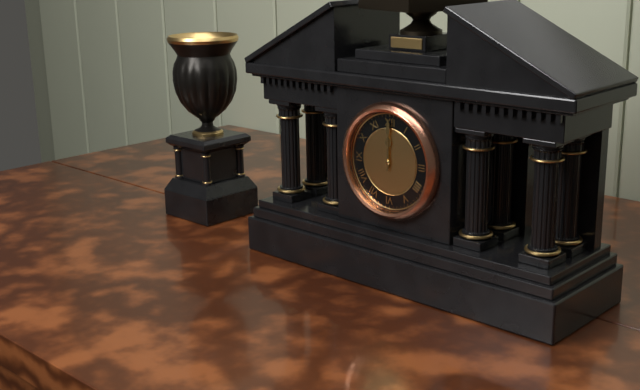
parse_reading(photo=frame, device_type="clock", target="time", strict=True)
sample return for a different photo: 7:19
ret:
12:00
